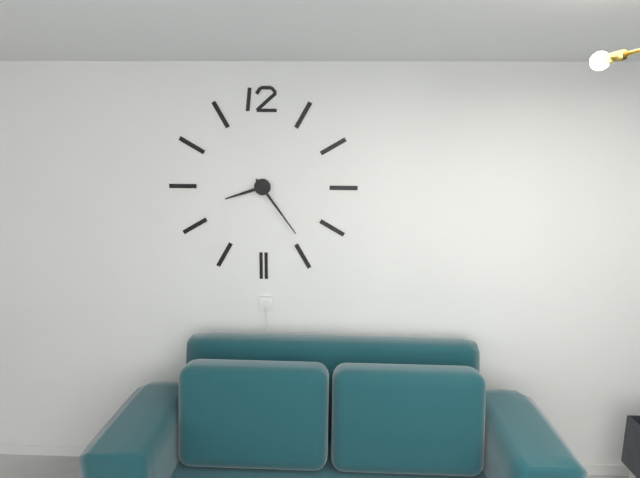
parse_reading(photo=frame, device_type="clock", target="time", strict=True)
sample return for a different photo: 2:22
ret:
8:24
